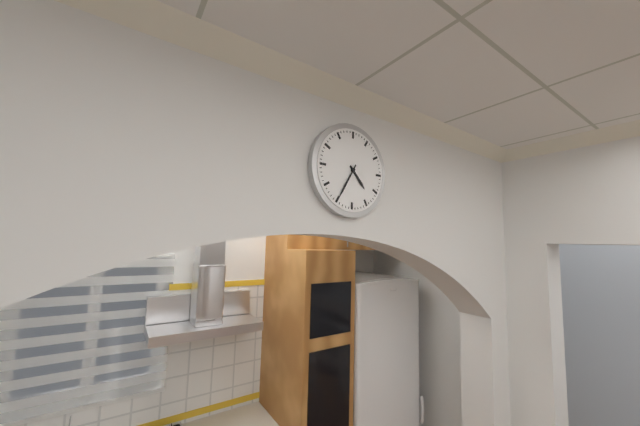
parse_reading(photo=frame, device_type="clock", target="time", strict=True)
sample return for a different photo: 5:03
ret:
4:35
